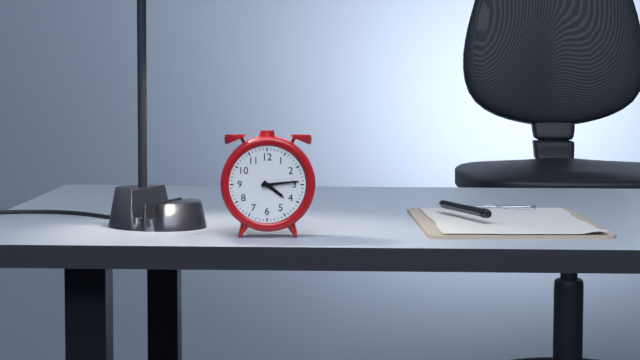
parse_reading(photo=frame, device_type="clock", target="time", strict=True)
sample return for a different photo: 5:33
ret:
4:14
